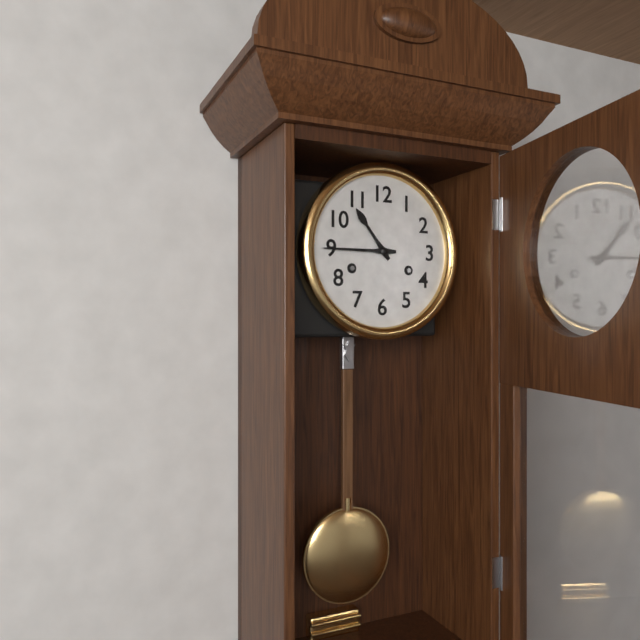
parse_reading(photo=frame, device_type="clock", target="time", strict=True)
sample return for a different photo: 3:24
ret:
10:45
